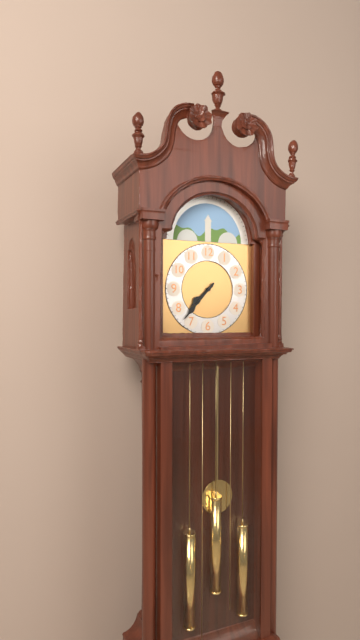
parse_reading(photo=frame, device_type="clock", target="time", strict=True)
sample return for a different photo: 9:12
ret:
7:37
